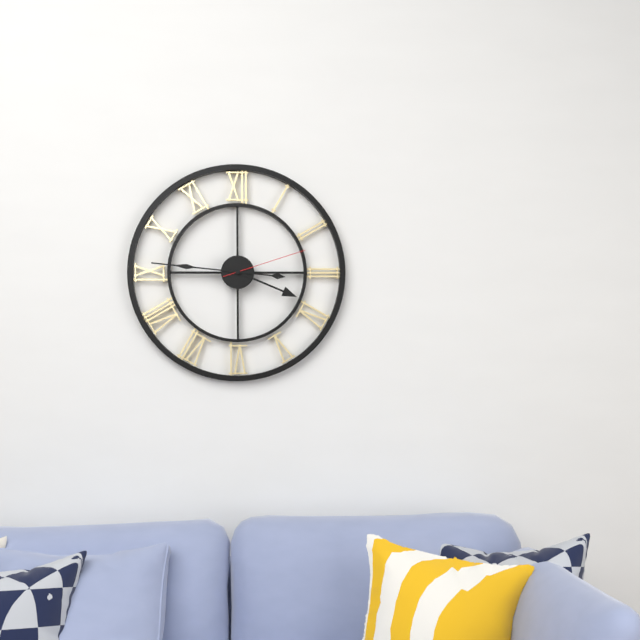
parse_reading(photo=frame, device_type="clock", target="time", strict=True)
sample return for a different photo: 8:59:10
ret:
3:46:12
